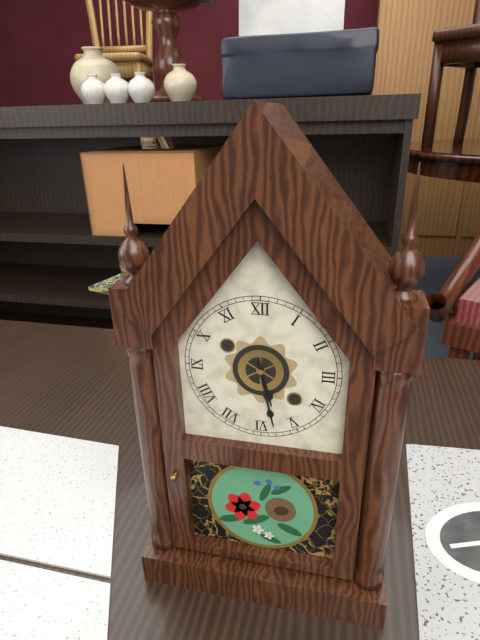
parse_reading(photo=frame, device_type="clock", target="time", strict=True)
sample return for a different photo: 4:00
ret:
5:28
